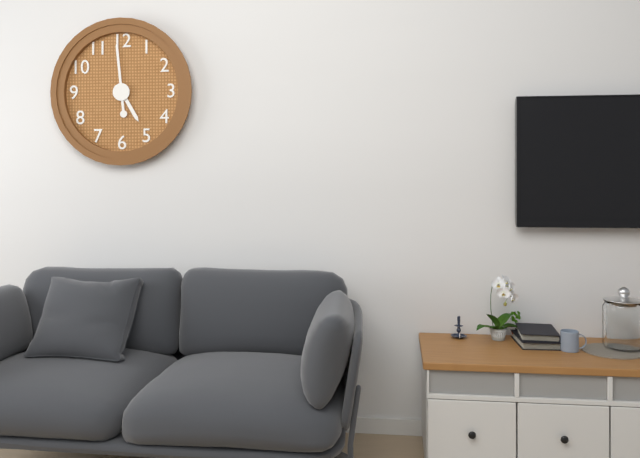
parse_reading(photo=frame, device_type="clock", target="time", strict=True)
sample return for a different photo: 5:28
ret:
4:59
